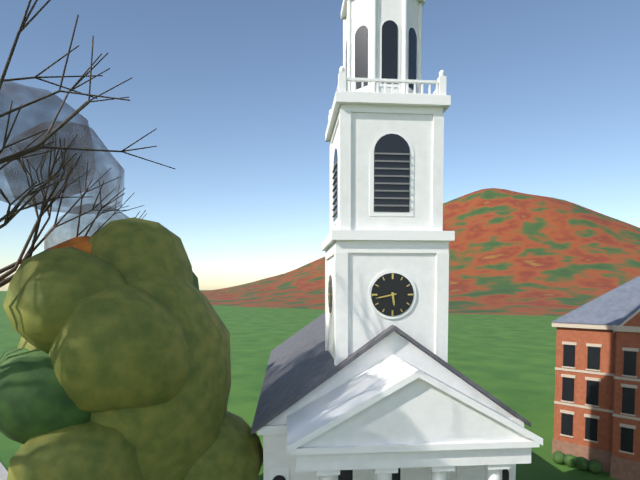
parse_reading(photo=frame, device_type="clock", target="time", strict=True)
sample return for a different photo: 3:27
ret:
5:43
